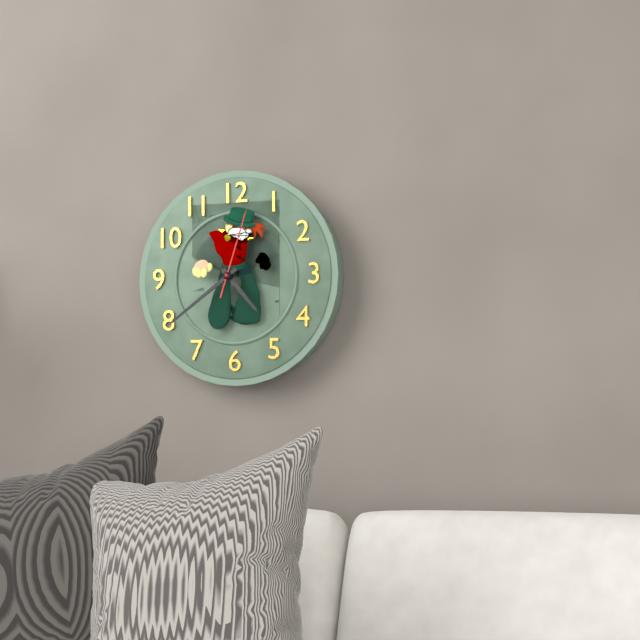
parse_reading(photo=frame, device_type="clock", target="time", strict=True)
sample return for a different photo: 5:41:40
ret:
4:39:03
